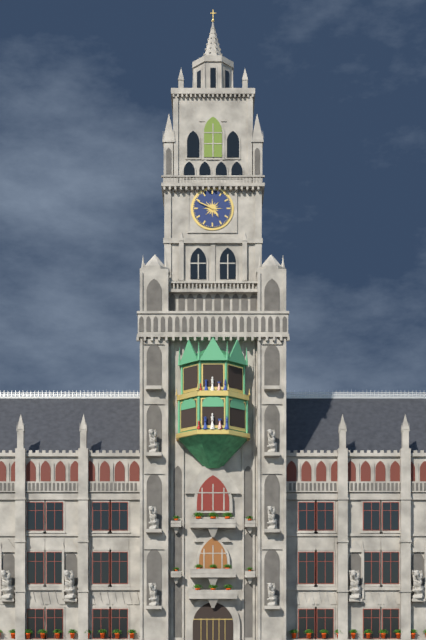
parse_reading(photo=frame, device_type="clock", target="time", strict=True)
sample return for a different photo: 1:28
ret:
4:49
